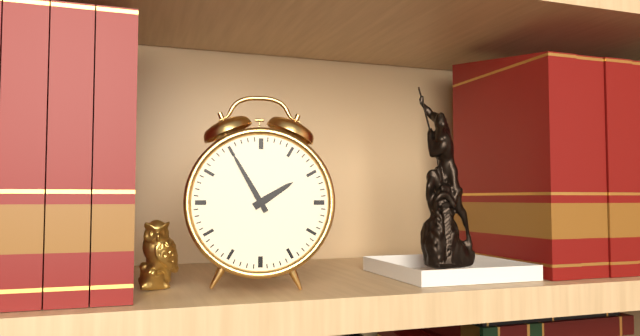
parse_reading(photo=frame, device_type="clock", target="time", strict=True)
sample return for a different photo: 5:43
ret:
1:55
